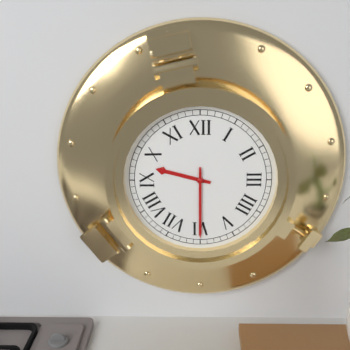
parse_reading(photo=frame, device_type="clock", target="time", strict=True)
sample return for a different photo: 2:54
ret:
9:30
